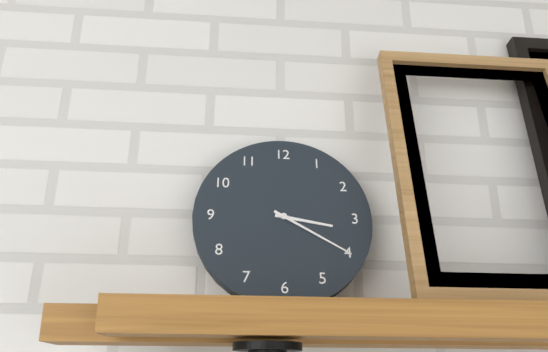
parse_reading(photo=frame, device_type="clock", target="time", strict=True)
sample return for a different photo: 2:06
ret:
3:20
